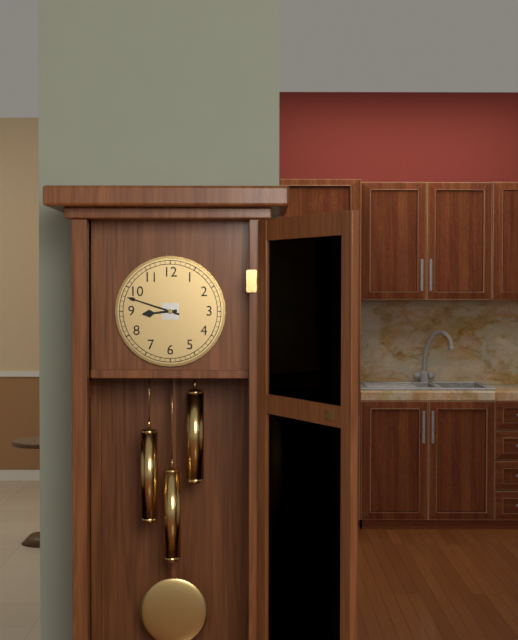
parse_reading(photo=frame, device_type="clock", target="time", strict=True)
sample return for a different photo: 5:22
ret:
8:48
